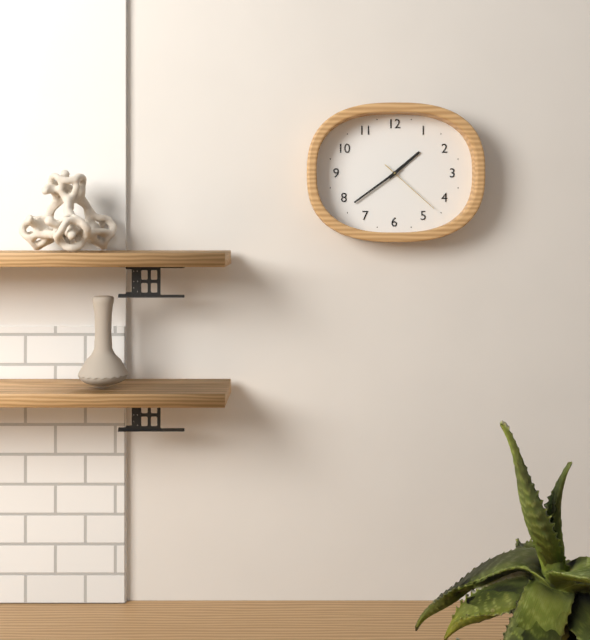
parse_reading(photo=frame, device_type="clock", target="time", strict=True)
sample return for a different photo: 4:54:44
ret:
1:39:22
